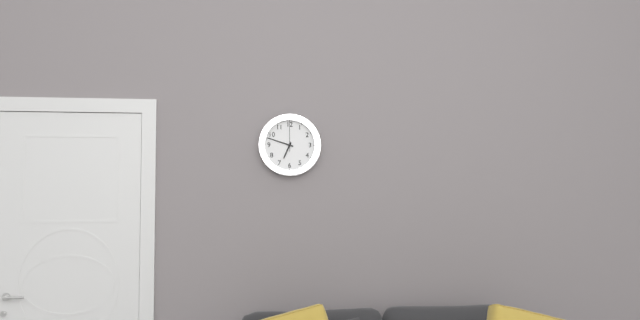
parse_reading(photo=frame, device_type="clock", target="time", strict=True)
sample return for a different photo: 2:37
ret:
6:48
